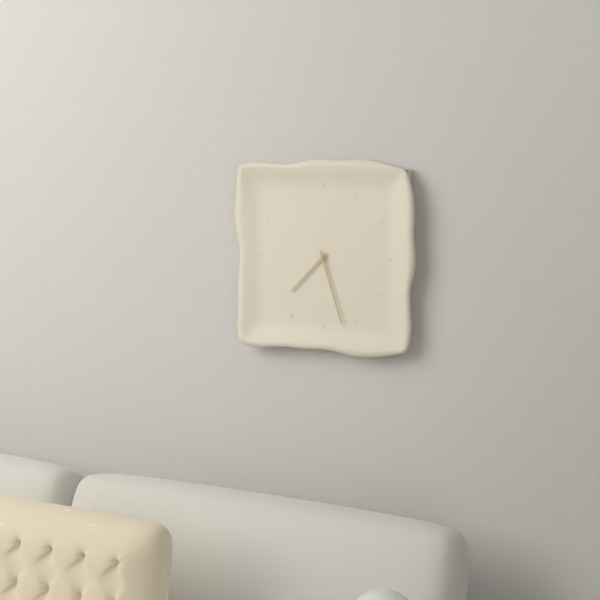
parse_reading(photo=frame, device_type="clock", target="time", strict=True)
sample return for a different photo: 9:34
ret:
7:27
